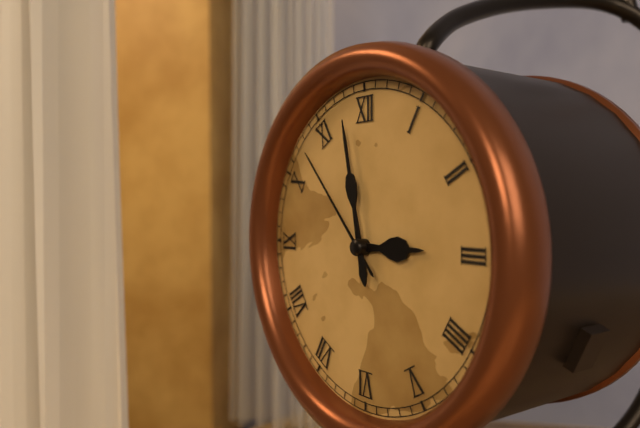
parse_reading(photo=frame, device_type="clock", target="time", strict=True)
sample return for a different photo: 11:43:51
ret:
2:58:53
